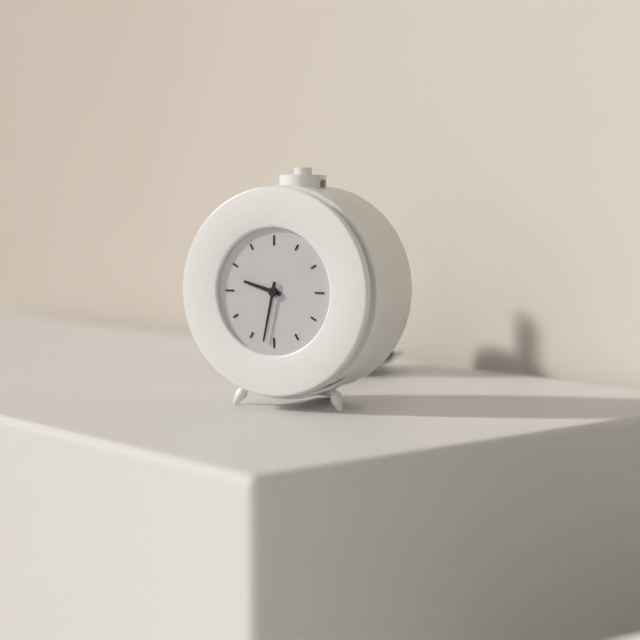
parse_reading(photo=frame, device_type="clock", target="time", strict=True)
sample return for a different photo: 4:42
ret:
9:32
